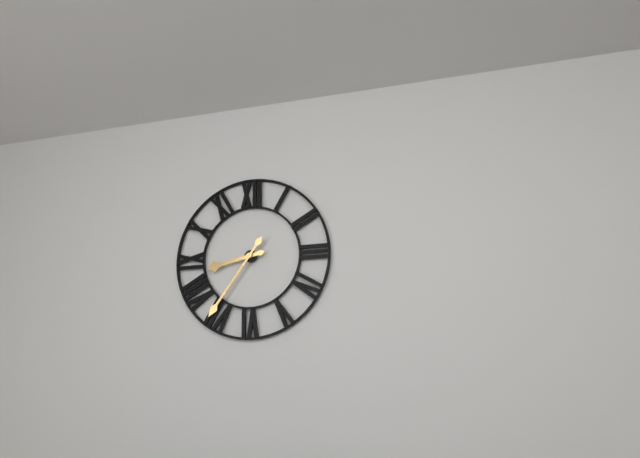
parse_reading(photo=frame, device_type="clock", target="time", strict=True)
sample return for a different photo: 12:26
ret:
8:36
